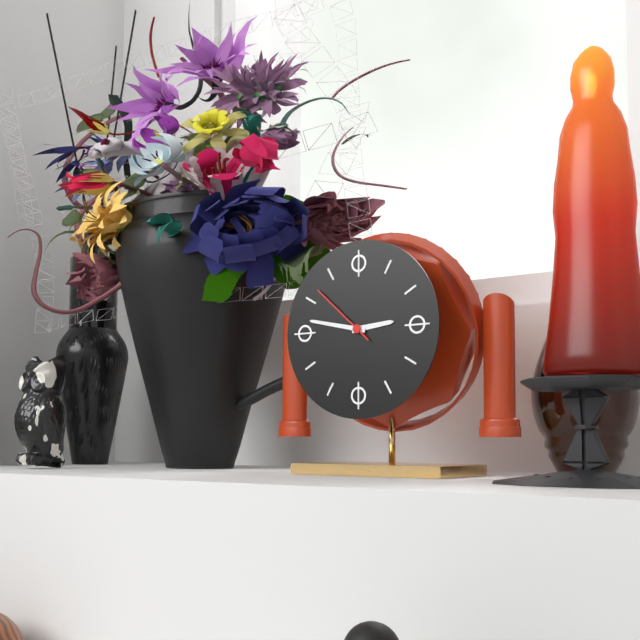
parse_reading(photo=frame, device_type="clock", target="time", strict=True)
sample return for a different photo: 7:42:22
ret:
2:47:52
